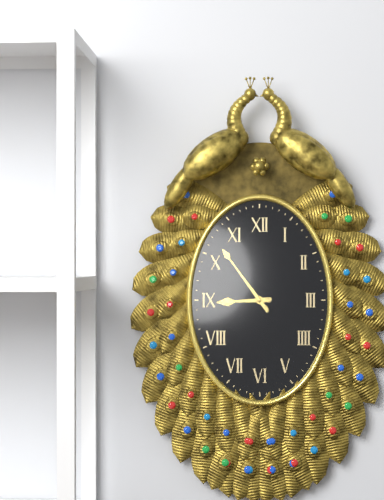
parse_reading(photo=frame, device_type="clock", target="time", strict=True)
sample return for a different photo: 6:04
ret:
8:54
